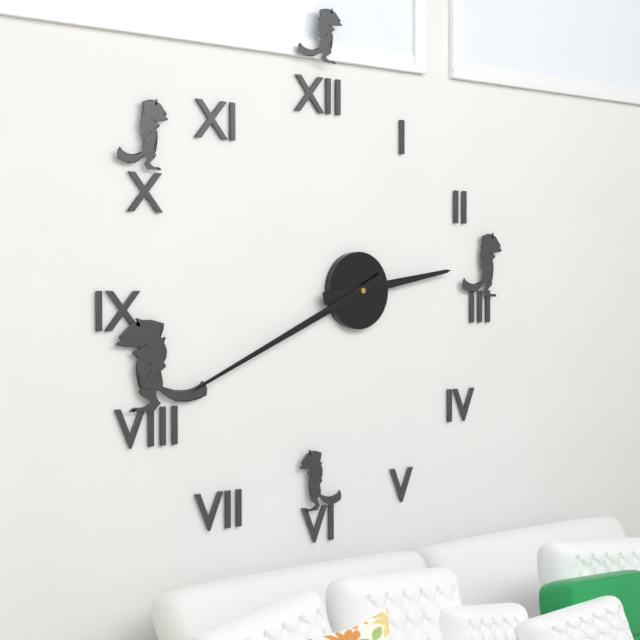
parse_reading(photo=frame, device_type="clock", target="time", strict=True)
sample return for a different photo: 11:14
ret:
2:41
